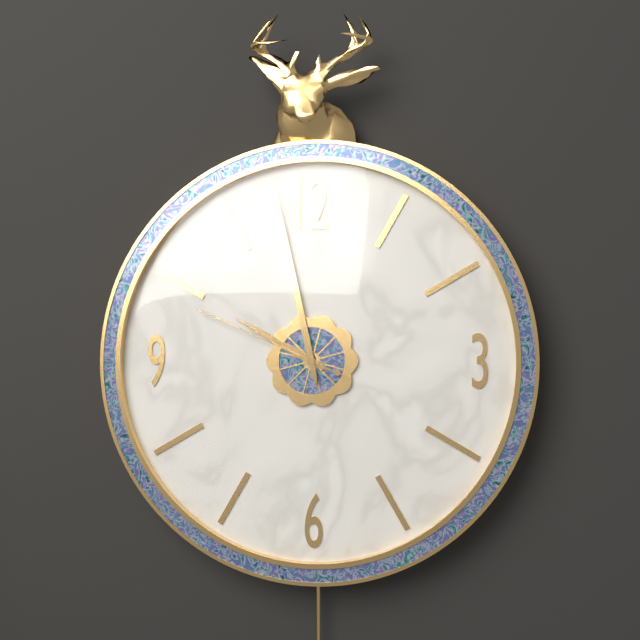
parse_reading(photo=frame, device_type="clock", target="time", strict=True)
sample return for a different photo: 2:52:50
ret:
9:58:49
